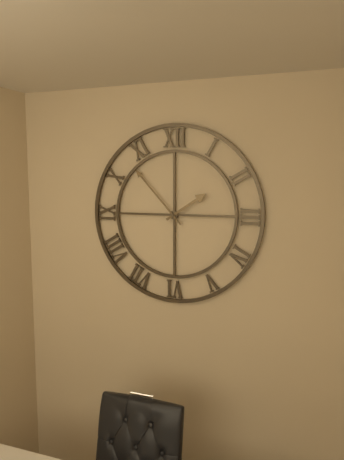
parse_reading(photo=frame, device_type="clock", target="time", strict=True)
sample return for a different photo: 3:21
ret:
1:53
